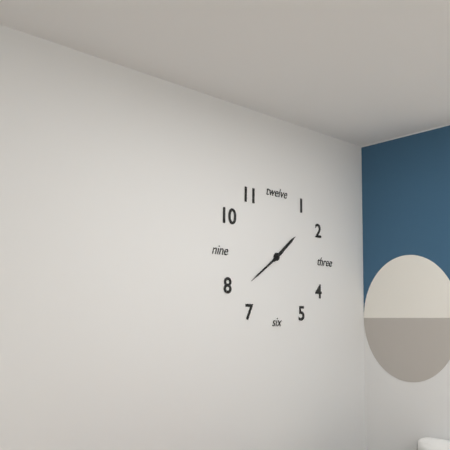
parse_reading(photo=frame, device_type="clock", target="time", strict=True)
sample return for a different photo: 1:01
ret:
1:39
